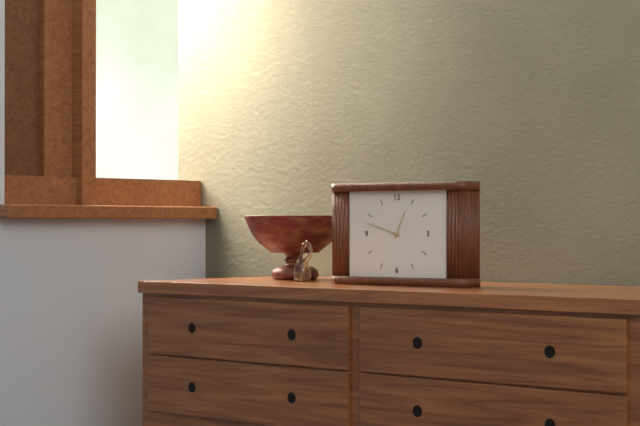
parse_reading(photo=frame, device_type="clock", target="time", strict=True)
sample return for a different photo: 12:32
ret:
12:48
